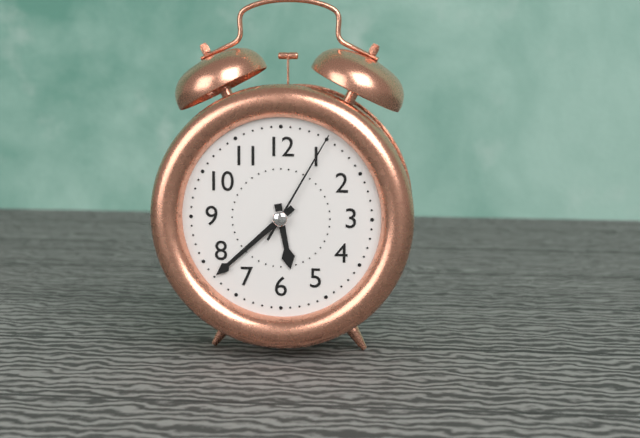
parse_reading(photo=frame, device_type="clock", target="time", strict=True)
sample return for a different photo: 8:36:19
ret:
5:38:05
